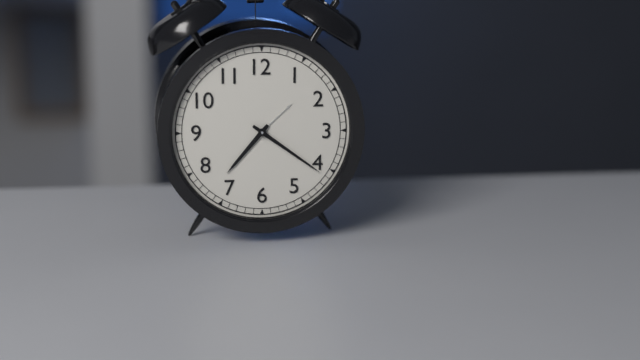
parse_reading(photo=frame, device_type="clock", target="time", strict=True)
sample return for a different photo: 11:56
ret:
7:21
